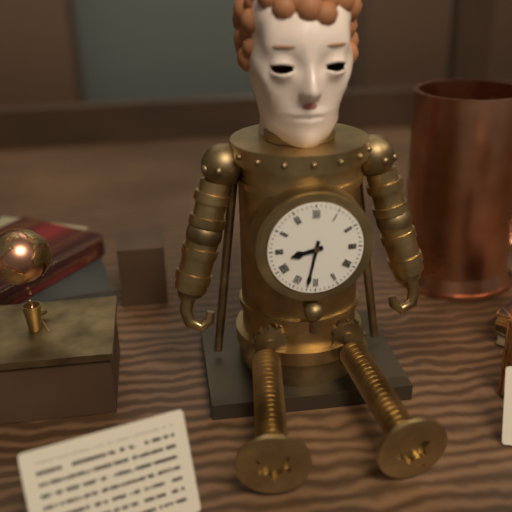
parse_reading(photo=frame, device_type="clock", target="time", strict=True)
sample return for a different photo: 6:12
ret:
8:32
